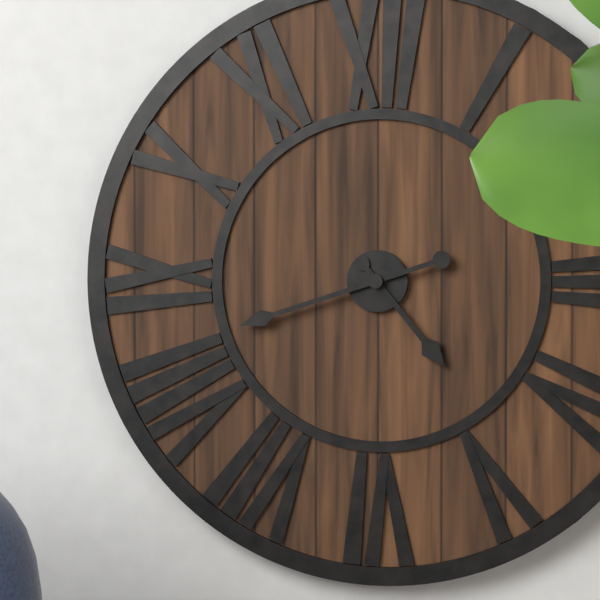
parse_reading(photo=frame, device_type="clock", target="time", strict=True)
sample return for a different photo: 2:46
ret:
4:42
